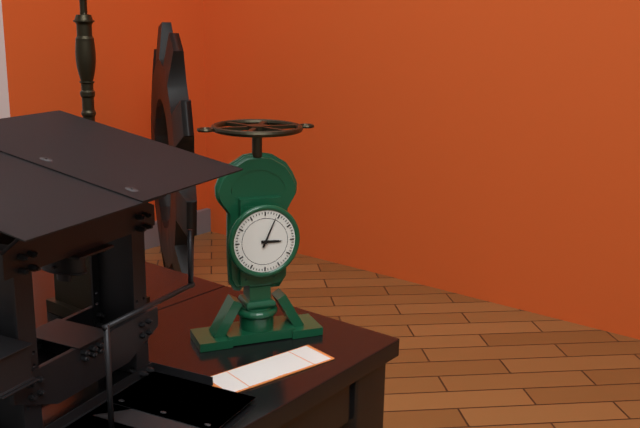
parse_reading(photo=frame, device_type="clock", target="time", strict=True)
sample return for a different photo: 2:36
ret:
3:04
